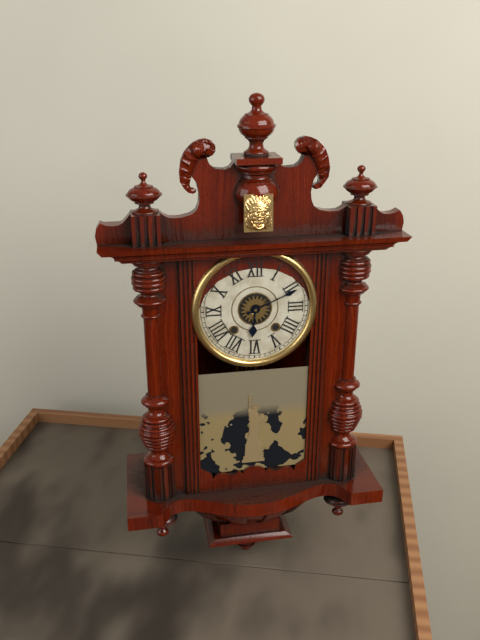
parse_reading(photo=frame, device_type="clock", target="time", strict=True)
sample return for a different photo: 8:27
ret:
6:11
